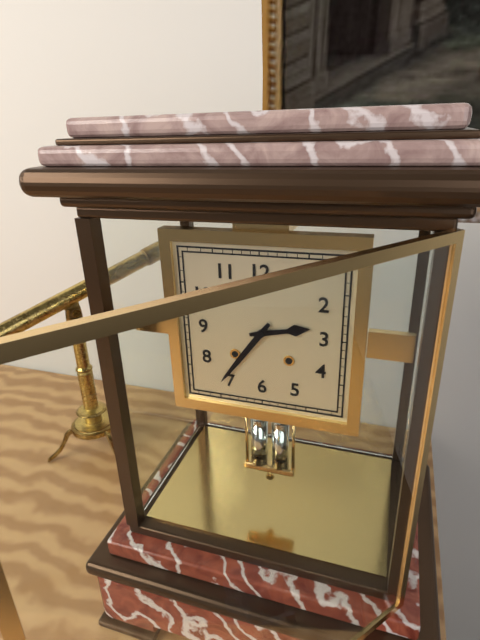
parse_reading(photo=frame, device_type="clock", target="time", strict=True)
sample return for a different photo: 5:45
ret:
2:36
